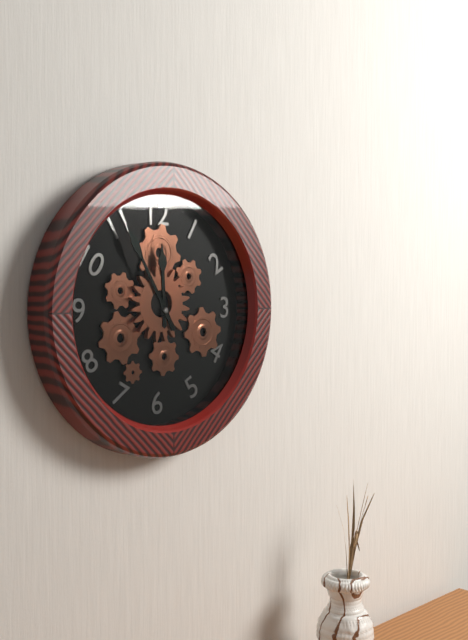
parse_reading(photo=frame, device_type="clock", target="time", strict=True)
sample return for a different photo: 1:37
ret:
11:55
